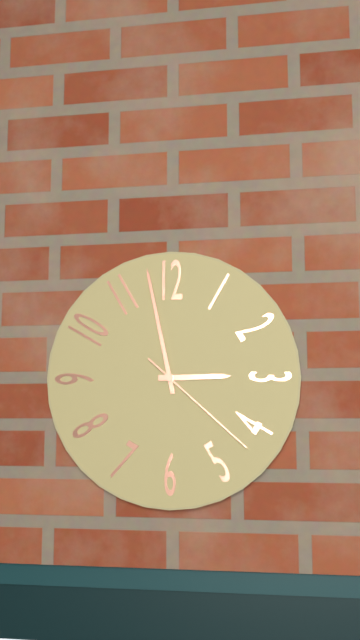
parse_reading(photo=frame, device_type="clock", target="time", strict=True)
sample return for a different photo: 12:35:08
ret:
2:58:22
